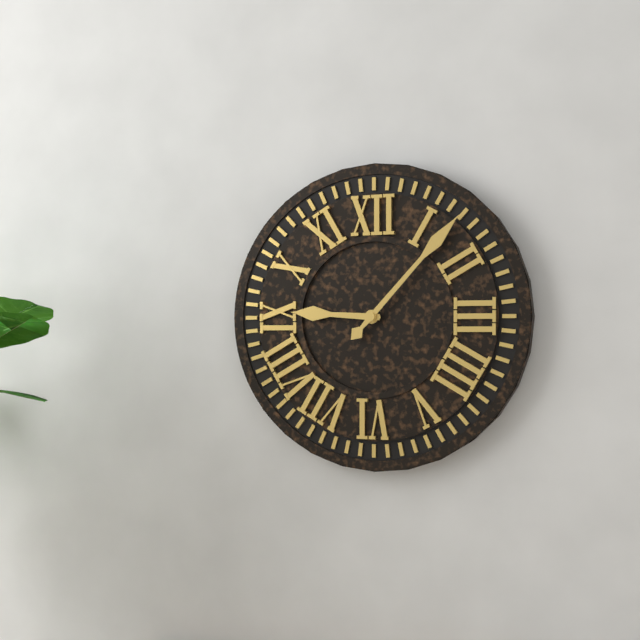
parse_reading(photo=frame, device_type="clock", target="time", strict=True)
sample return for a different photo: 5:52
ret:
9:07
